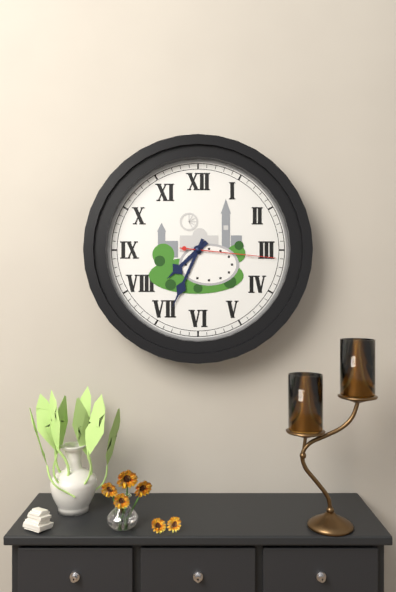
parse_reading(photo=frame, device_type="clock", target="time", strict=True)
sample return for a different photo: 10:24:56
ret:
7:34:16
